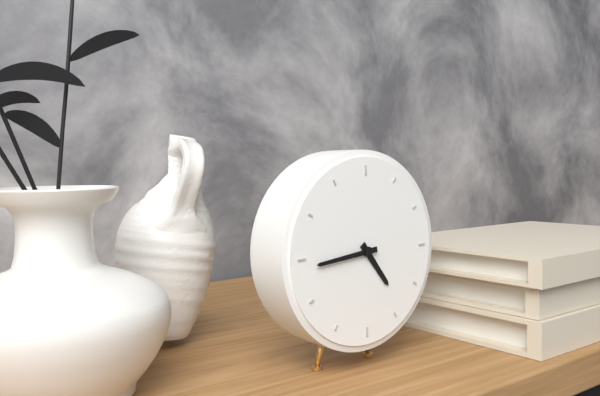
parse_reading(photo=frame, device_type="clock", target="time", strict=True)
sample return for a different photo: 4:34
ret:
4:44
